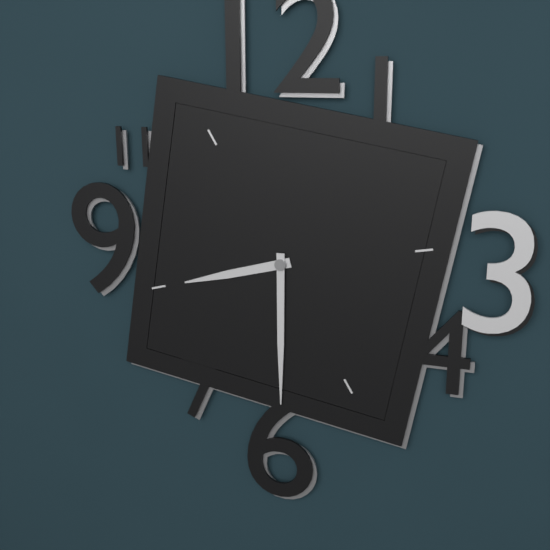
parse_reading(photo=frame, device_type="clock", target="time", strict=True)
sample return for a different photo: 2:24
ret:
8:30
